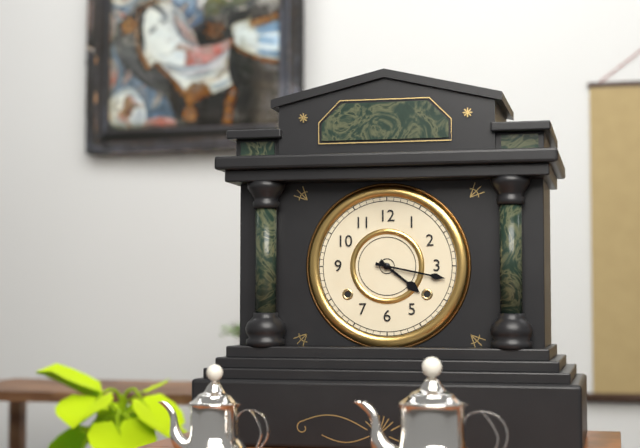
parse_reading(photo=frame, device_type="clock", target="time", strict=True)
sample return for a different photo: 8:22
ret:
4:17
